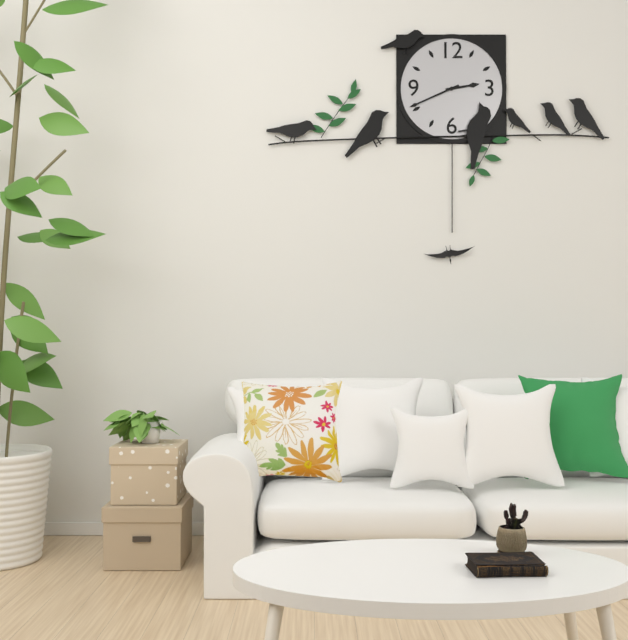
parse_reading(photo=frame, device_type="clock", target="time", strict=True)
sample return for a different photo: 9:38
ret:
2:41
